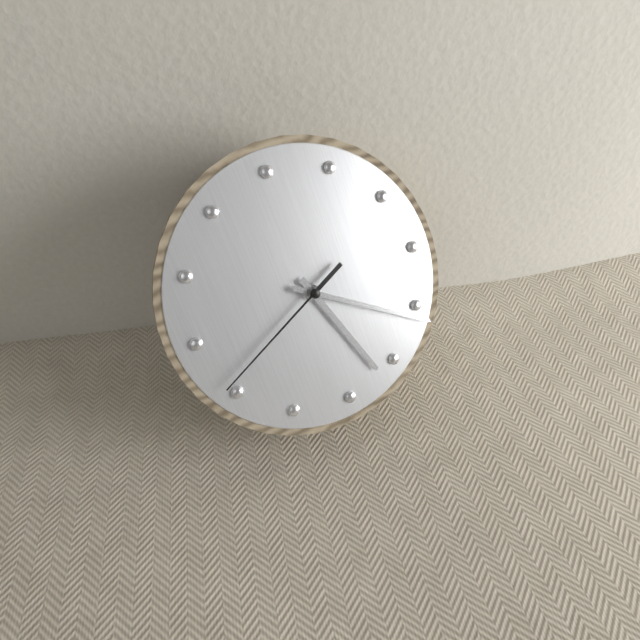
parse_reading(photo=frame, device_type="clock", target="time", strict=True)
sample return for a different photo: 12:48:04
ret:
5:21:41
